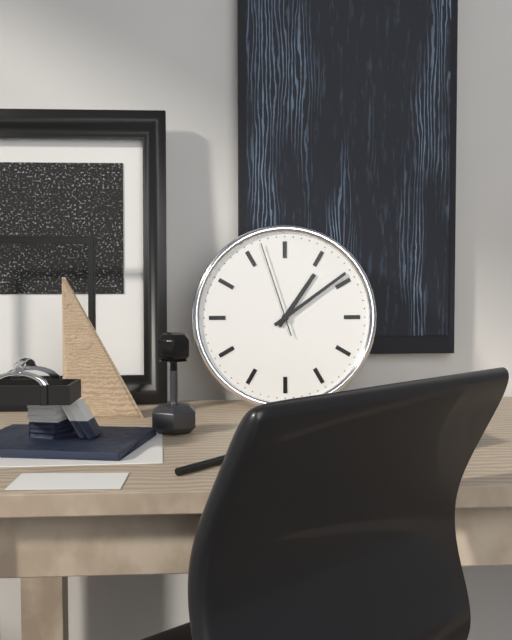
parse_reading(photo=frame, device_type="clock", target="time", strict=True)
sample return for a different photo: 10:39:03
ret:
1:09:57
